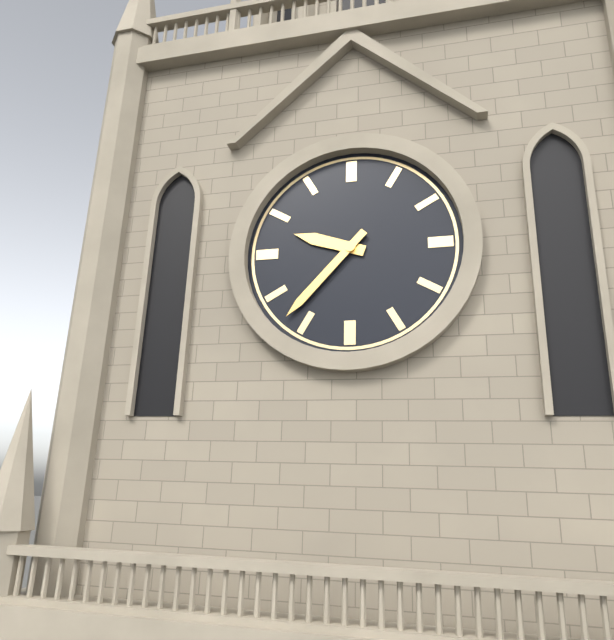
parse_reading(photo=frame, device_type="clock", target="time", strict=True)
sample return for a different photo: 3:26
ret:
9:37
